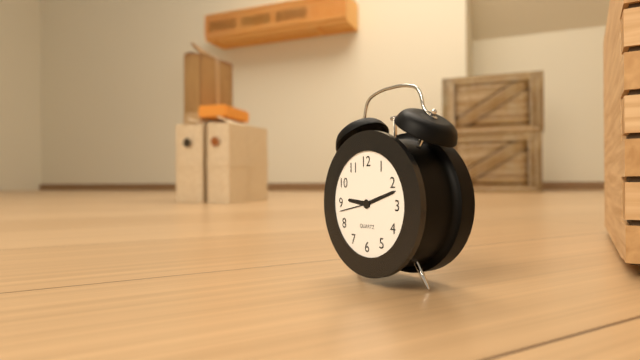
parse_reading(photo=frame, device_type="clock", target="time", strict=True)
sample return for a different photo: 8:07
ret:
9:12
